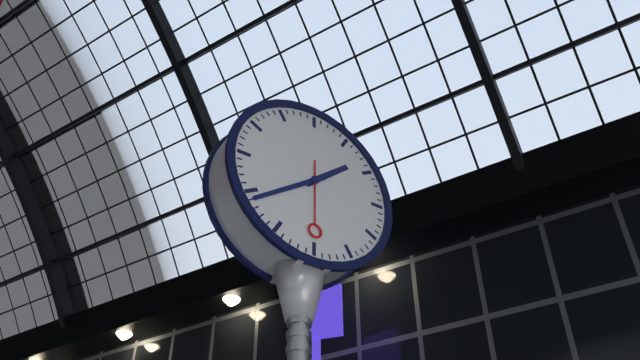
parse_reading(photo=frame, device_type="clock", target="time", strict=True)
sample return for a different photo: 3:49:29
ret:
1:39:30
